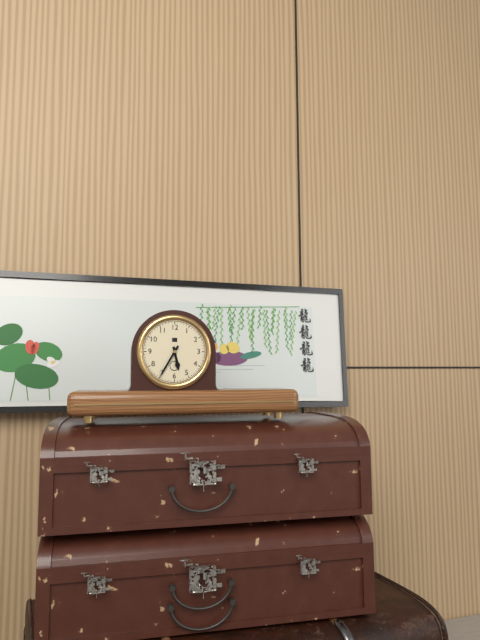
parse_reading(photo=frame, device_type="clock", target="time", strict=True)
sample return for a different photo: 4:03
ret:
5:35
